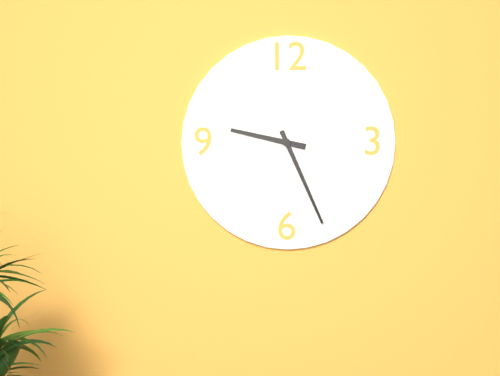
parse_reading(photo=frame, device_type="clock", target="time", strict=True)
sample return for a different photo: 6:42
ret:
9:26
